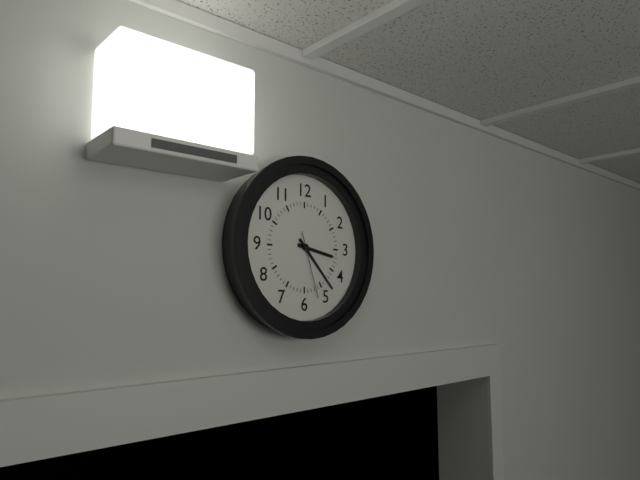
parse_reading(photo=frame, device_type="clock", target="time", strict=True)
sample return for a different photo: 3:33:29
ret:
3:23:27
